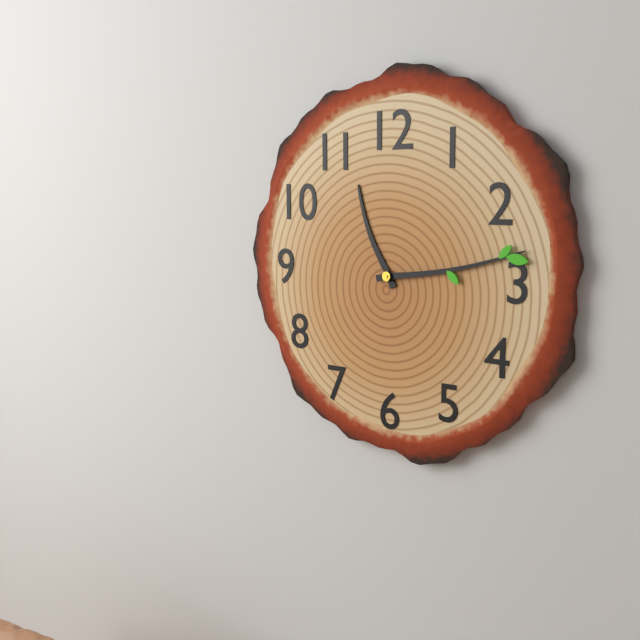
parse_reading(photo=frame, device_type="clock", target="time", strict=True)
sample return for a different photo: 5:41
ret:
11:13
